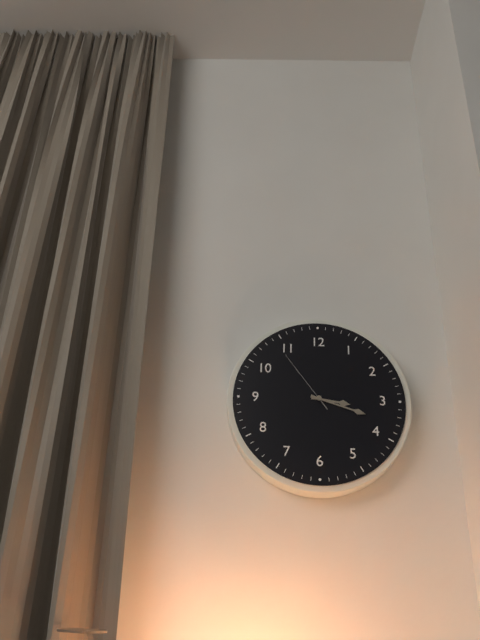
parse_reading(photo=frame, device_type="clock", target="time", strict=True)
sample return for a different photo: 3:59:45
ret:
3:18:54
